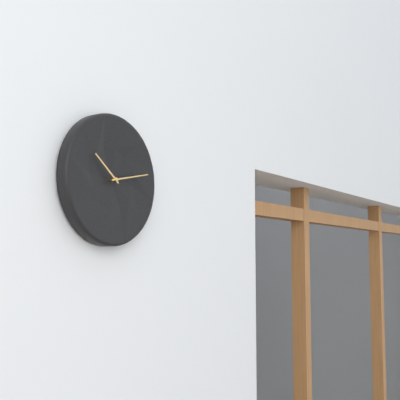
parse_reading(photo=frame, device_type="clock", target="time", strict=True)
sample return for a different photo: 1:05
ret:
10:13
